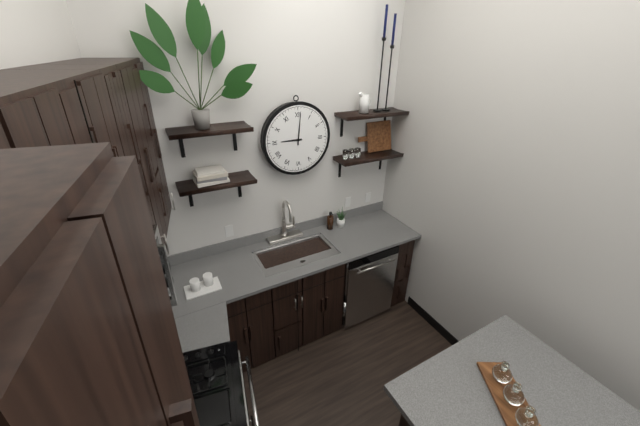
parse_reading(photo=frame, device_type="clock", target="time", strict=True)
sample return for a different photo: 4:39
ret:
9:01
